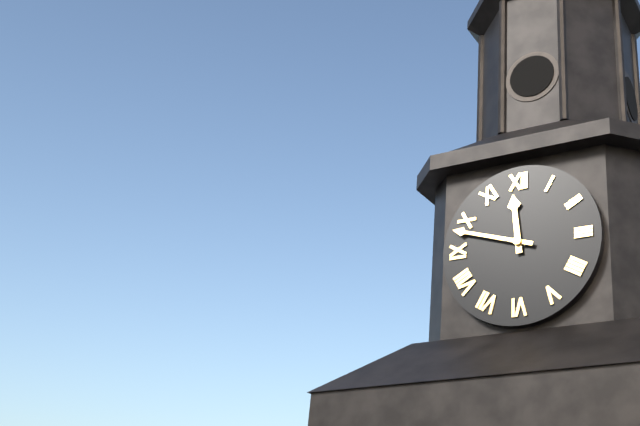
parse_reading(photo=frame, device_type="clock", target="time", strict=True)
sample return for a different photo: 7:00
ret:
11:48
